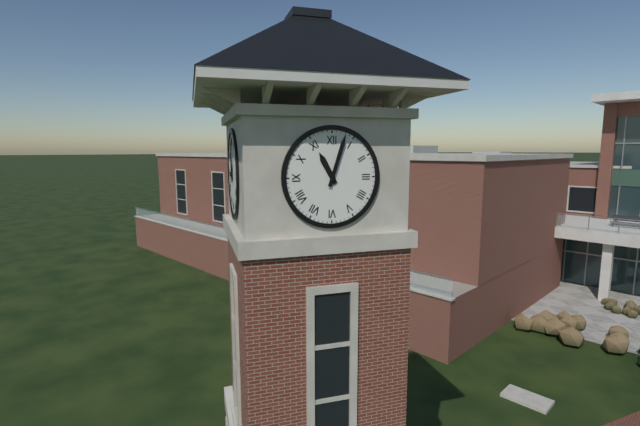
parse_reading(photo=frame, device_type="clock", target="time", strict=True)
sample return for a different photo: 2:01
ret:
11:03
